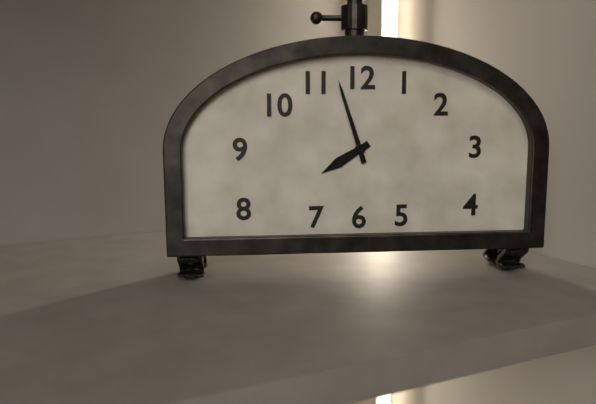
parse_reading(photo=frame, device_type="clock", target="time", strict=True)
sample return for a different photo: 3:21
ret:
7:57
